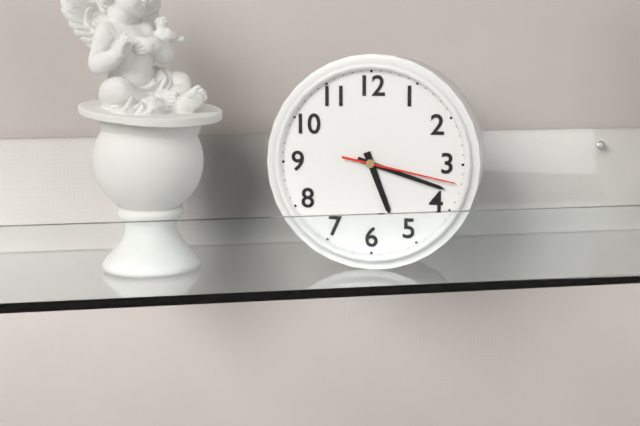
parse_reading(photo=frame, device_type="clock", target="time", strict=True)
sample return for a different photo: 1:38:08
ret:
5:18:17
